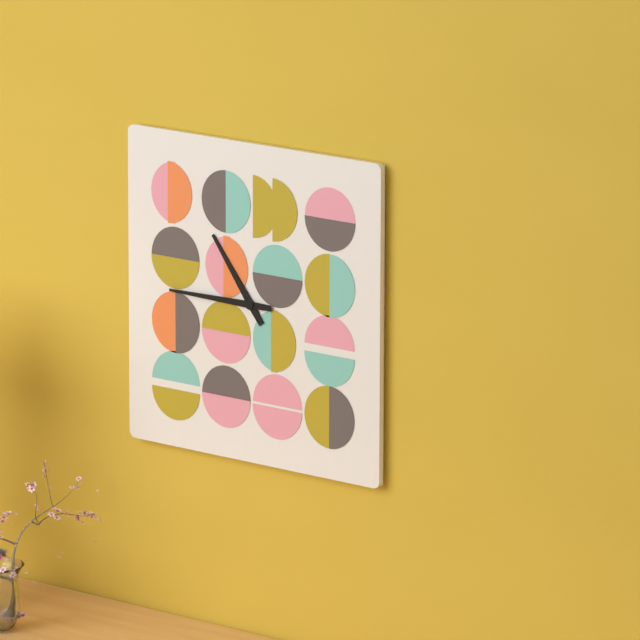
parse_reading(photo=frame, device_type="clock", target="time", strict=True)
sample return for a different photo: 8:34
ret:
10:45
